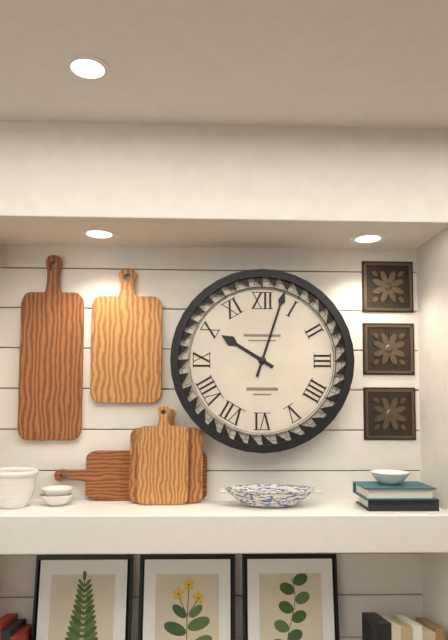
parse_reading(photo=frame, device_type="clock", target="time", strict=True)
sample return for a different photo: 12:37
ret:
10:03
